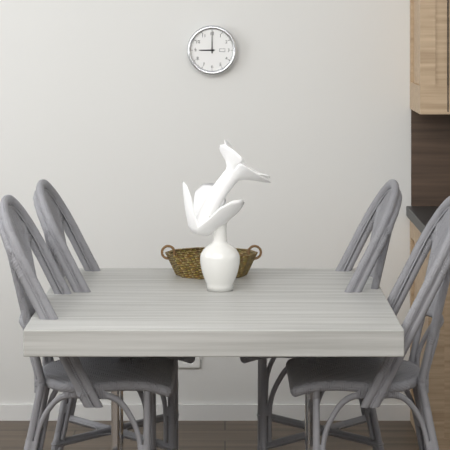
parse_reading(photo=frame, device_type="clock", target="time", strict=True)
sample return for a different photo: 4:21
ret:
9:00
